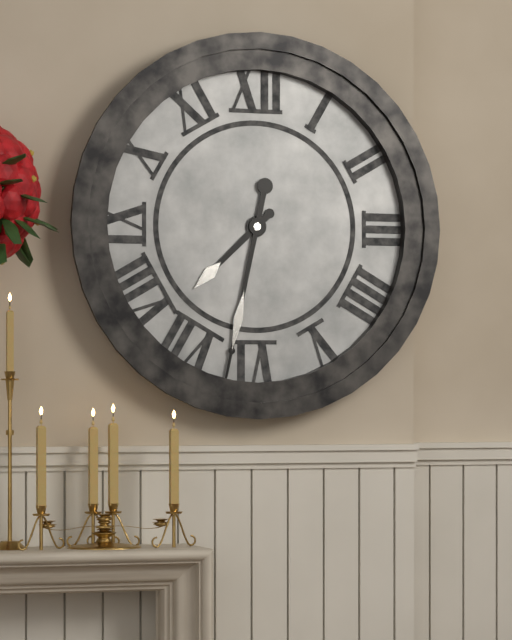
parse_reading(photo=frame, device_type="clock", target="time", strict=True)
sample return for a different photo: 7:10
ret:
7:32
